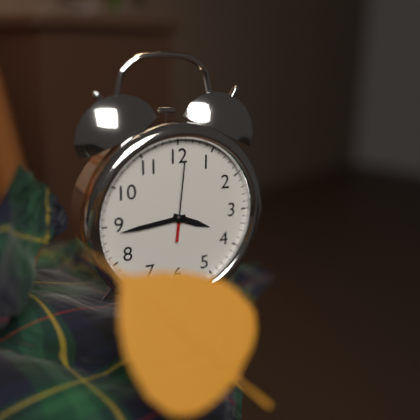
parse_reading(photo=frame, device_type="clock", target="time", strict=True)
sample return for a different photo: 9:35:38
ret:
3:44:01
